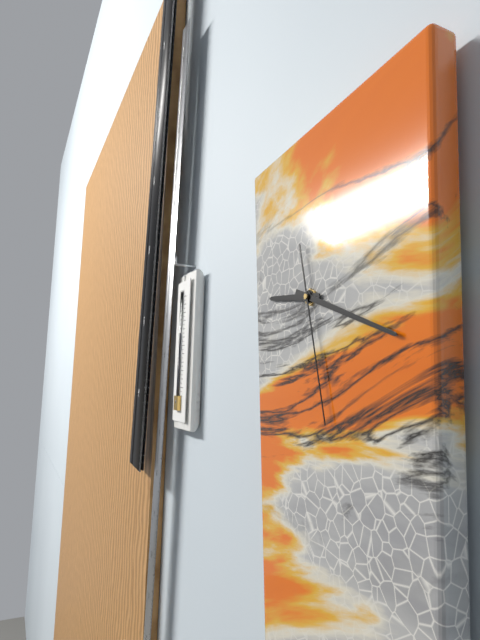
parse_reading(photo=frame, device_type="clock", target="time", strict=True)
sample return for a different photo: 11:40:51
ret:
9:19:28
